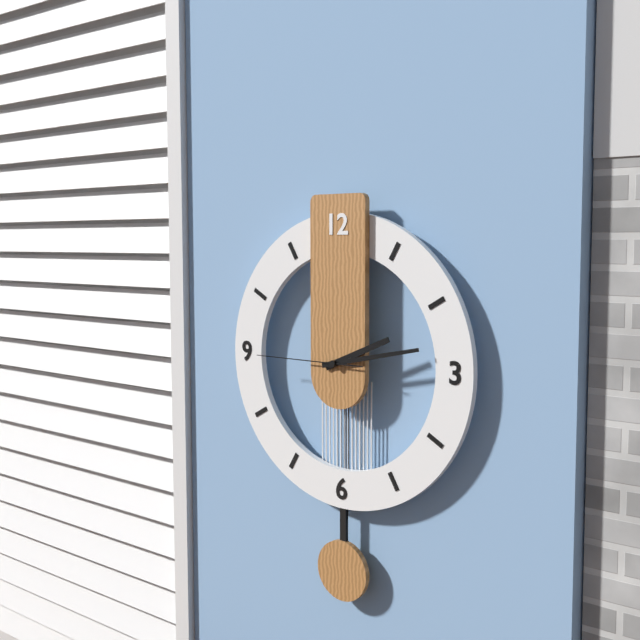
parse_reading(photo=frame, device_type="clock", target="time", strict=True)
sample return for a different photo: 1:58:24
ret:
2:13:45
